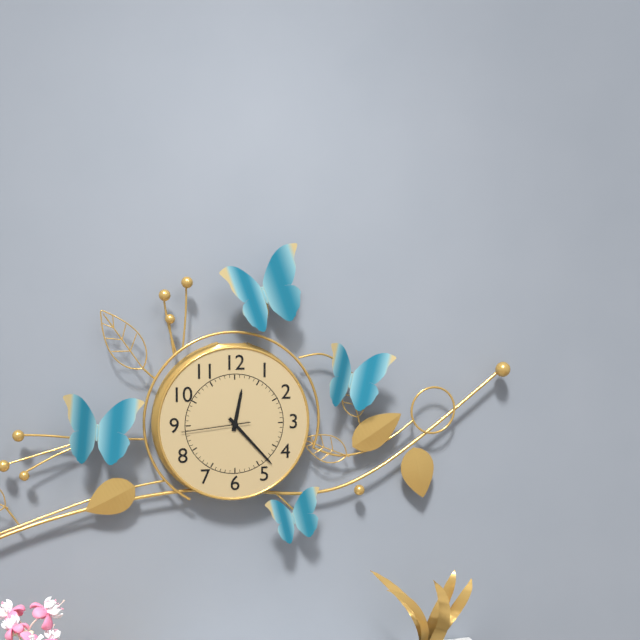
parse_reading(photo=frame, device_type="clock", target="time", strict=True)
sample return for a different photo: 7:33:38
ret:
12:23:44
